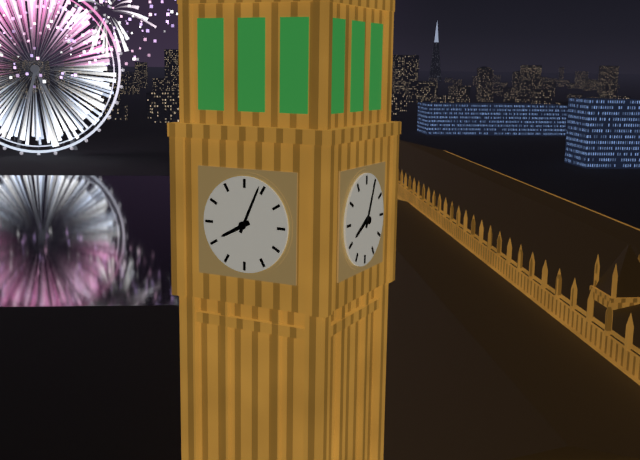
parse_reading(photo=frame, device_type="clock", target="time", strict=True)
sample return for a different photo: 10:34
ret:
8:04
